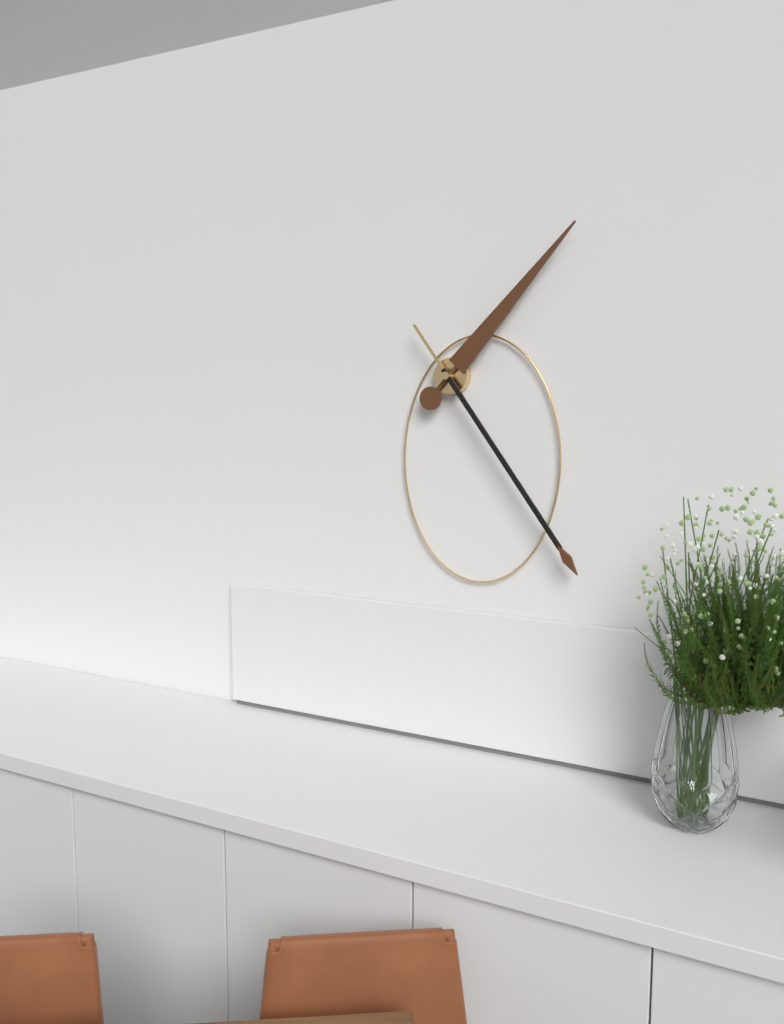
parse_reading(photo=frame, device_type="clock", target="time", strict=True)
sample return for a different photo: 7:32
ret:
1:24
